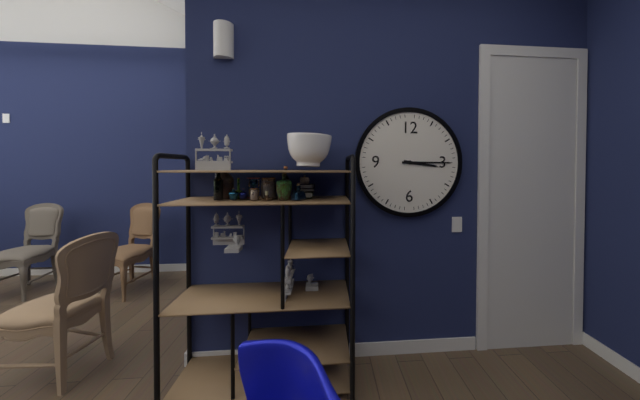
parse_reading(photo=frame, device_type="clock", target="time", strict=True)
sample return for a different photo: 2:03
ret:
3:15
